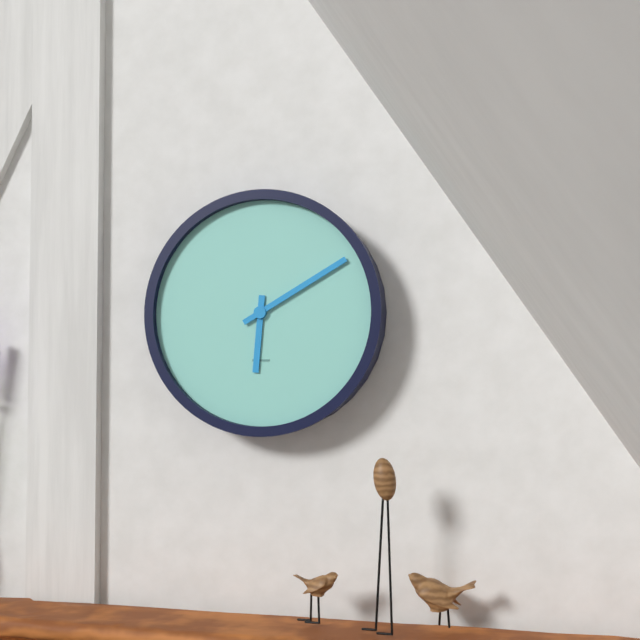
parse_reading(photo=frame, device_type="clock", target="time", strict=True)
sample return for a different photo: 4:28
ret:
6:10
